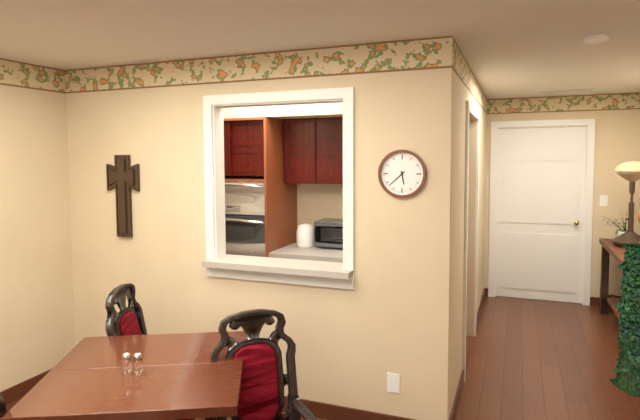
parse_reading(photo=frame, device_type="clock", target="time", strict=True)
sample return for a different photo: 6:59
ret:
5:38
